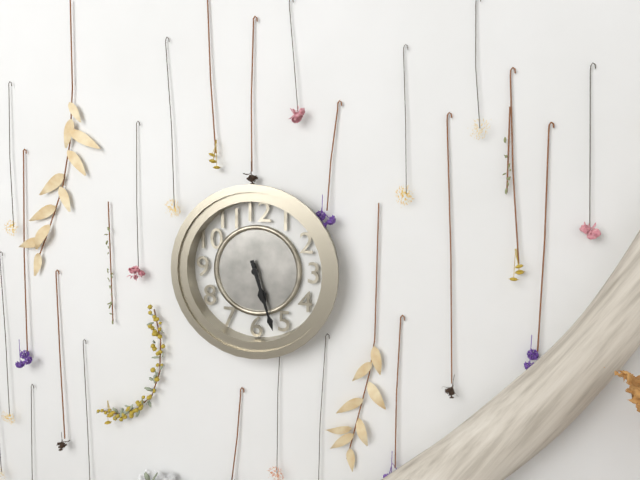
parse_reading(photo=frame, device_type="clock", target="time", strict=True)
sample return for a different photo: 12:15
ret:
5:27
